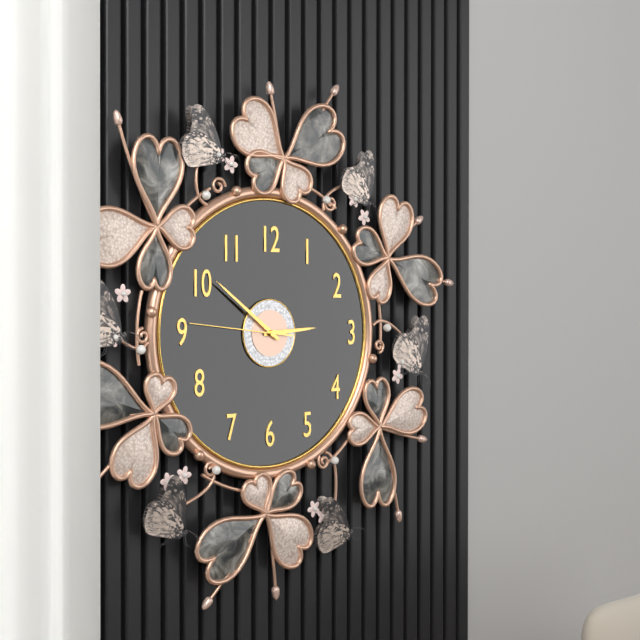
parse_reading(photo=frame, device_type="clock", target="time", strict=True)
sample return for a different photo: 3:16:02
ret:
2:51:46
